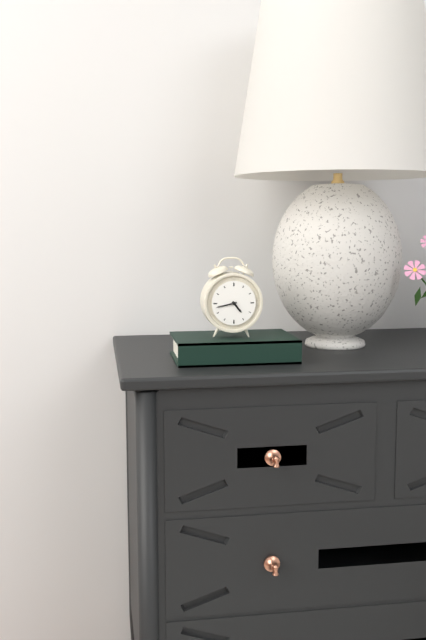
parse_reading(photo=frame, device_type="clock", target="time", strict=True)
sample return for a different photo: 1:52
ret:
4:43
